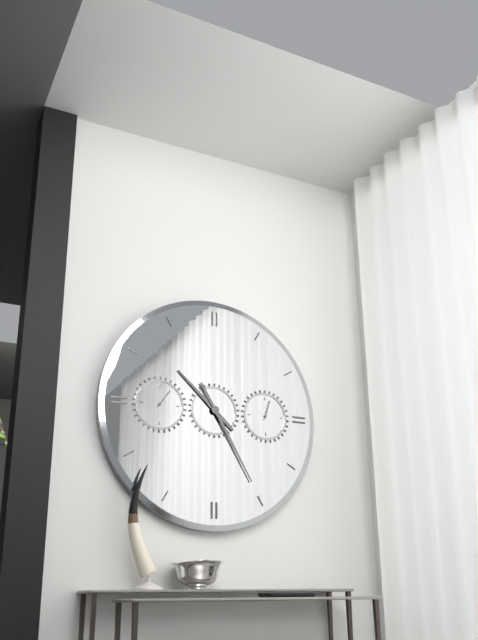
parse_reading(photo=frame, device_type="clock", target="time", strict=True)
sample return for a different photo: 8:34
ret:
10:25
